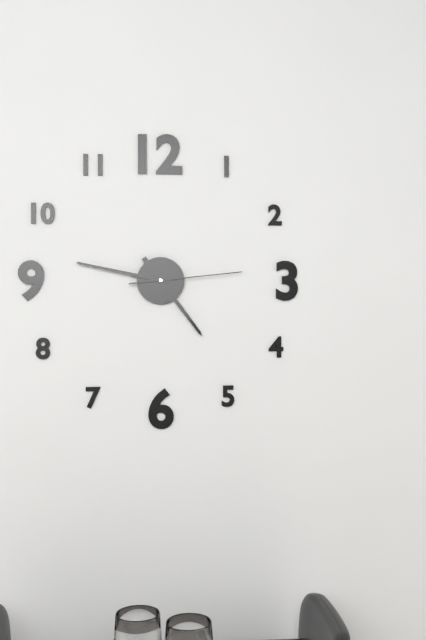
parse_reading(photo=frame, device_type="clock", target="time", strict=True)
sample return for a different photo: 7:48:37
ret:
4:47:14
